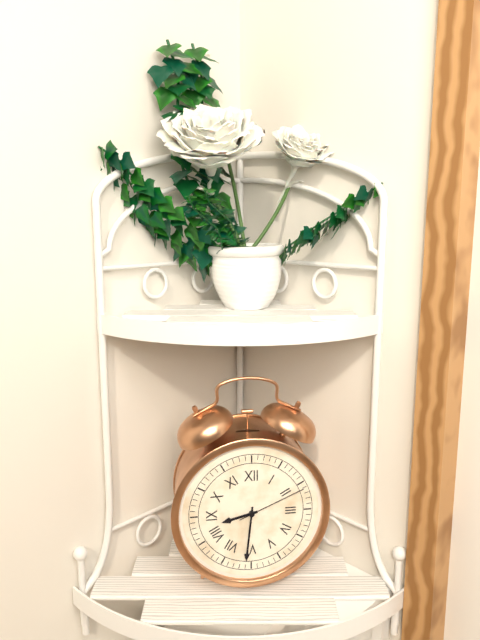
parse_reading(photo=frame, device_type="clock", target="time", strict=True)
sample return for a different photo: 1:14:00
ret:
8:31:11
